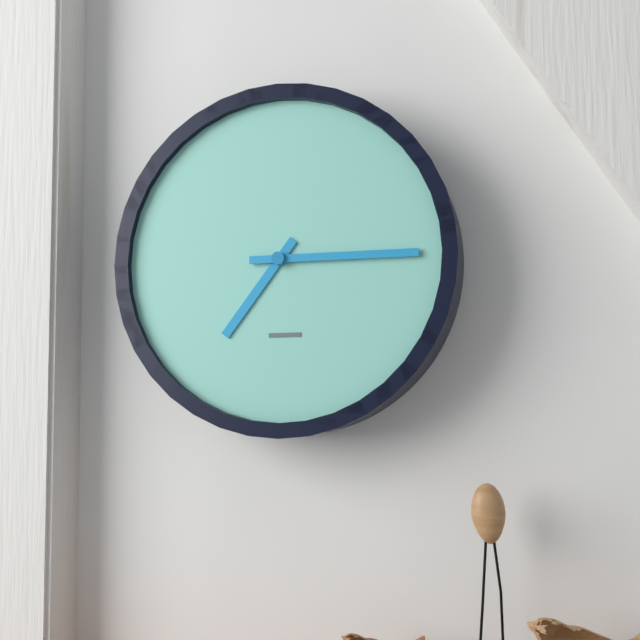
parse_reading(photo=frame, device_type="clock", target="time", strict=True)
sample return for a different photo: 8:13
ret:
7:15
